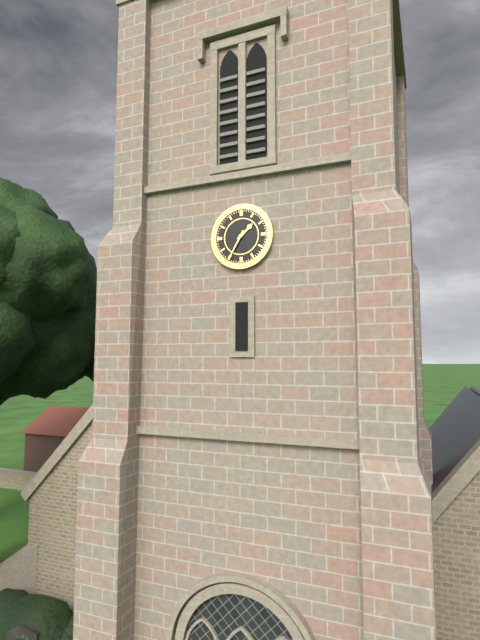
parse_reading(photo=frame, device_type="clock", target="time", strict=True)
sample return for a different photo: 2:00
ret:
1:35
